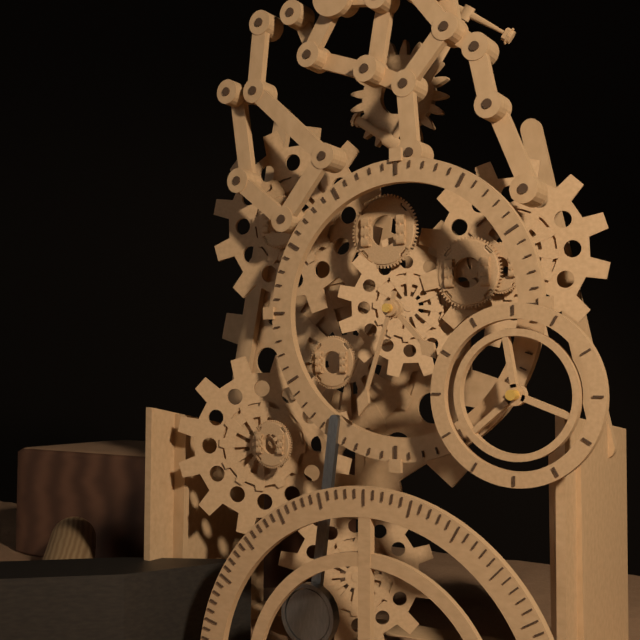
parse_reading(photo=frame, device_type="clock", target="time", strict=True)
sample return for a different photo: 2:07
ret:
4:33
